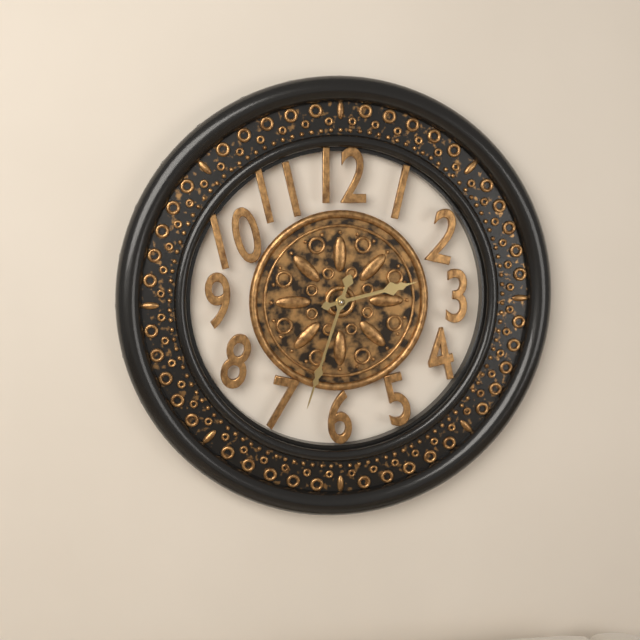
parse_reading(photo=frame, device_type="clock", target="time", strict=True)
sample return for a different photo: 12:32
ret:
2:33
